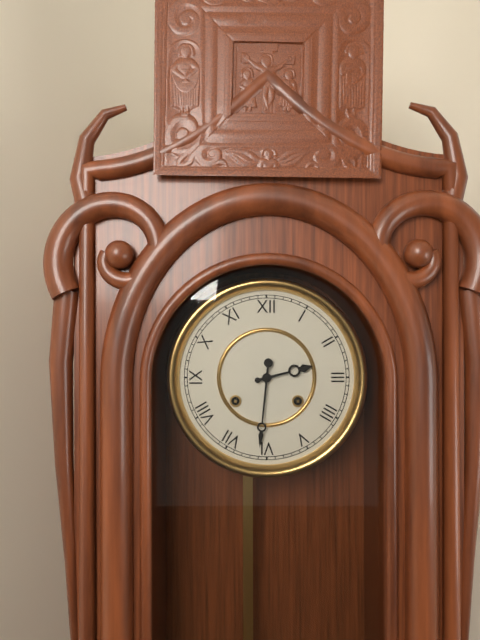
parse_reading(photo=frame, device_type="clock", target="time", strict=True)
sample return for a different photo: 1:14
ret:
2:31
